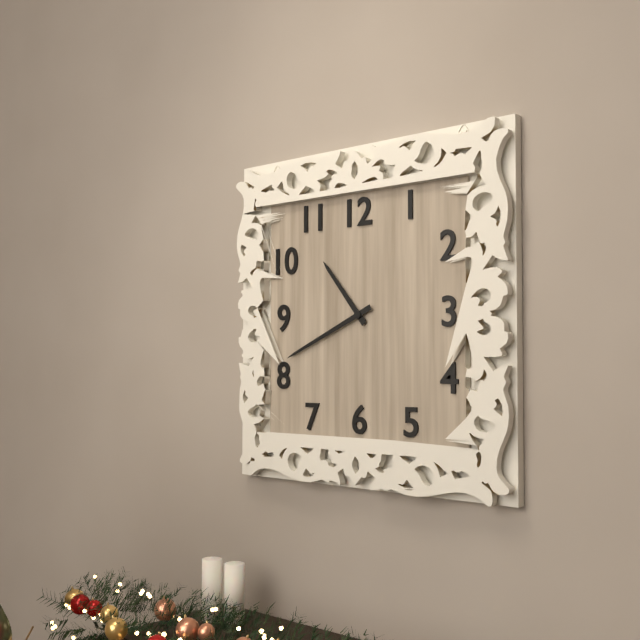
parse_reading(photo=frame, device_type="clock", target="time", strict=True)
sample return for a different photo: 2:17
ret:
10:41
